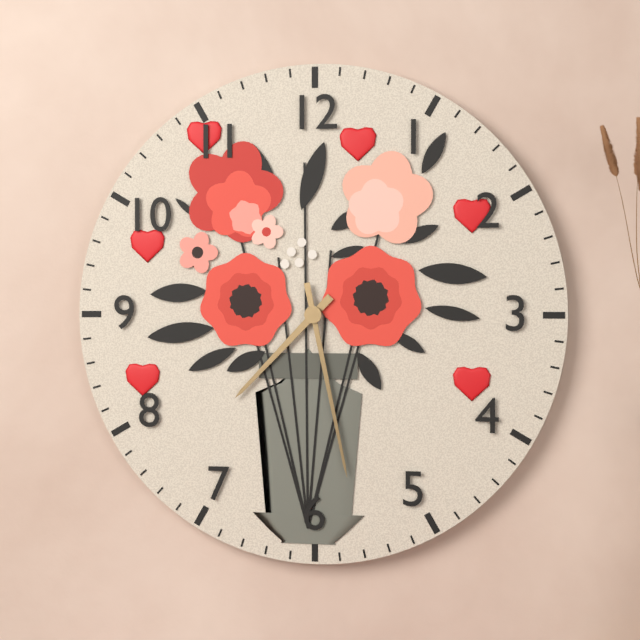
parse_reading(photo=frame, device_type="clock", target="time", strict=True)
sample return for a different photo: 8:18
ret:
7:28
